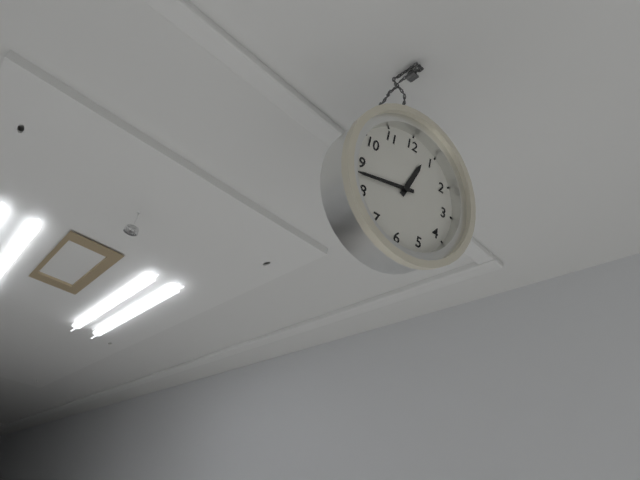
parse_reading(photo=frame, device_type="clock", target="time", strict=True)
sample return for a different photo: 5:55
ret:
12:43
